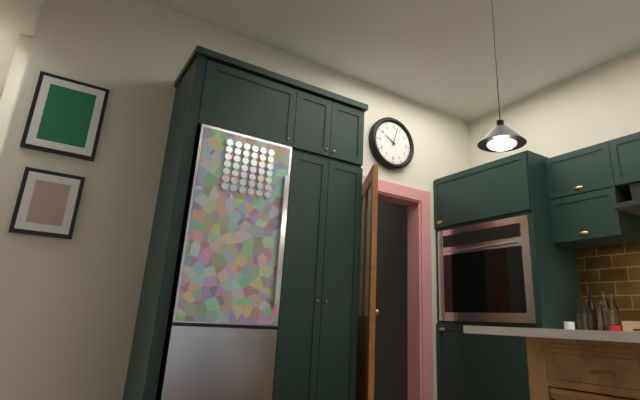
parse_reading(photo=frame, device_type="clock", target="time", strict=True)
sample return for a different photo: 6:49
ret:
10:03
